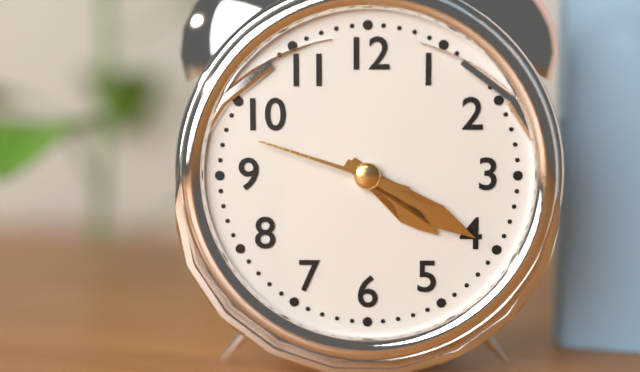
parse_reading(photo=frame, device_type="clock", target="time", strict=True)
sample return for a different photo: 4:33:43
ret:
4:20:48
